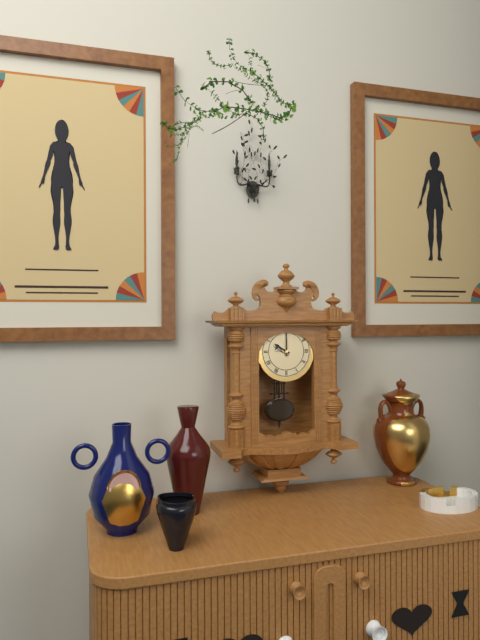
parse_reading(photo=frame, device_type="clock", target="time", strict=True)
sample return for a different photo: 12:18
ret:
10:00
